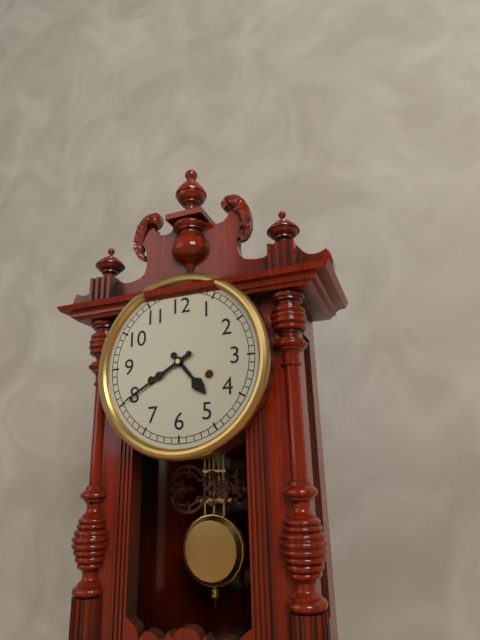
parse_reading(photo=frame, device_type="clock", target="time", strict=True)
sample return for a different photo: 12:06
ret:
4:40
